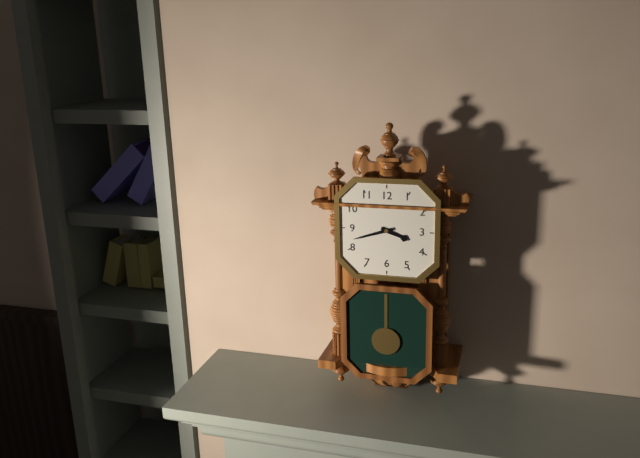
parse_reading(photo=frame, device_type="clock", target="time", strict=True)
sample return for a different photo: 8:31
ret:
3:42
